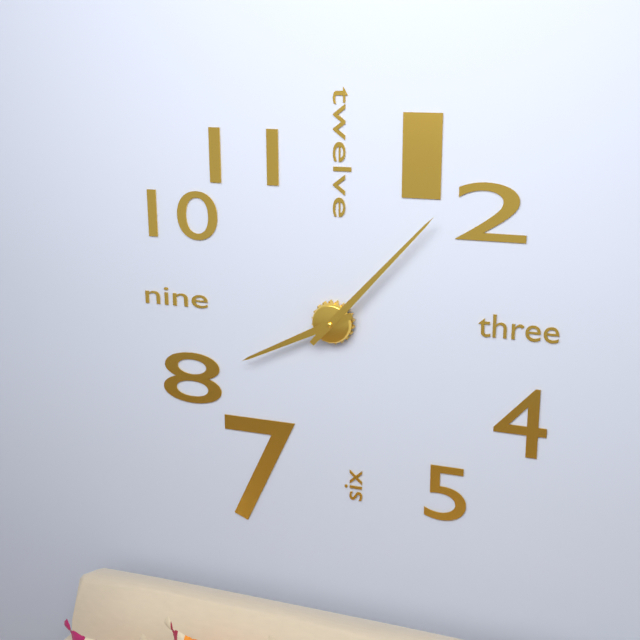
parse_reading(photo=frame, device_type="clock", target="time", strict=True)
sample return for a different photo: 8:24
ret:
8:07
